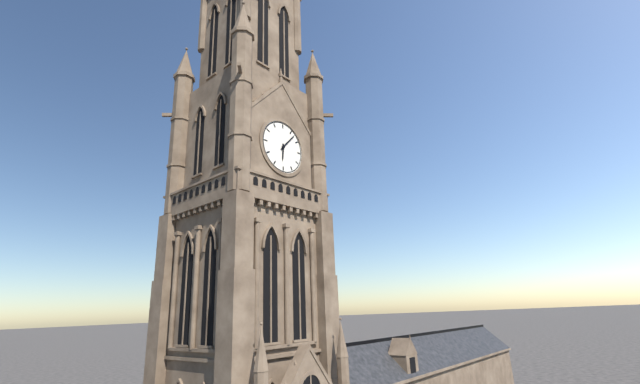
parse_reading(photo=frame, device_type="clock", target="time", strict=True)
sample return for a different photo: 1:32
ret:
6:07
